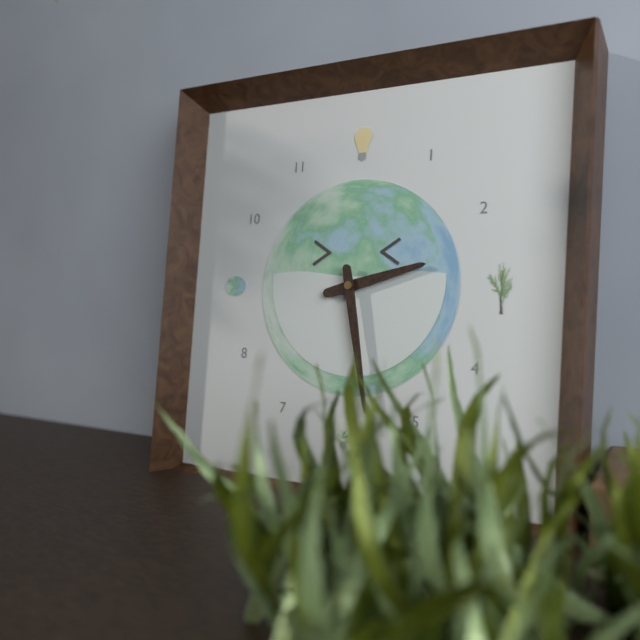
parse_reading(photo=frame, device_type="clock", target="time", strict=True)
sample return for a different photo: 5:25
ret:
2:28
